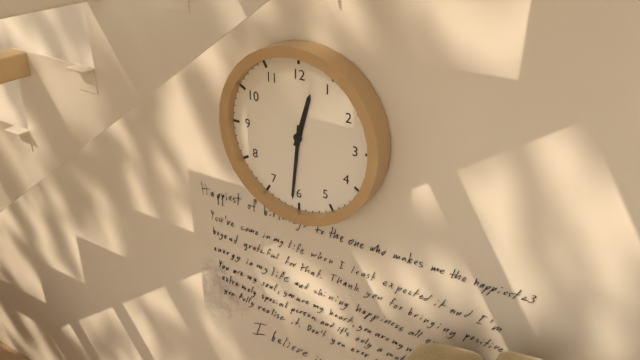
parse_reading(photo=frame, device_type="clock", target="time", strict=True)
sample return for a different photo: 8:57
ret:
12:31
